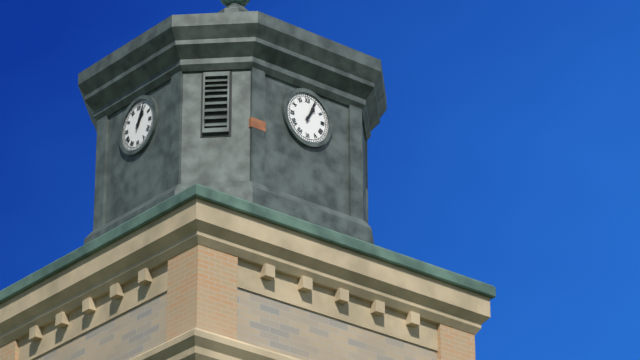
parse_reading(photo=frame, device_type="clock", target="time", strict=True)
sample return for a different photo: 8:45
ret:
1:04
